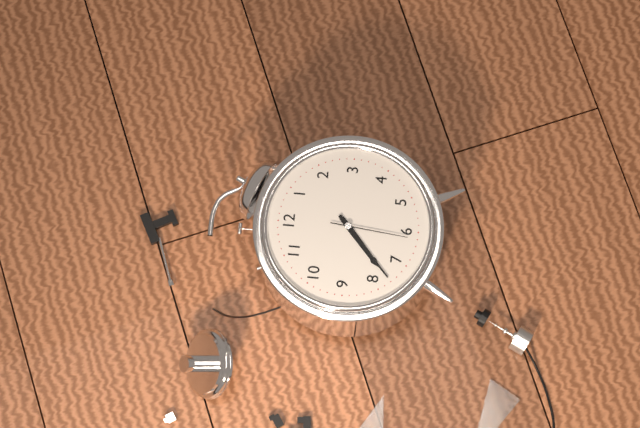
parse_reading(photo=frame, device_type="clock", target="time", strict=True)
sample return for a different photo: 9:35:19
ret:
7:38:31
